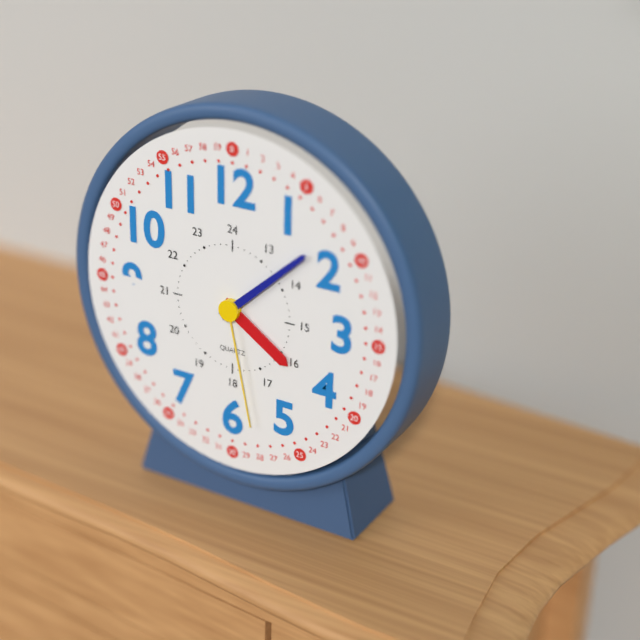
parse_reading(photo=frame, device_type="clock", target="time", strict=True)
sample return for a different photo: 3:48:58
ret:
4:08:28
